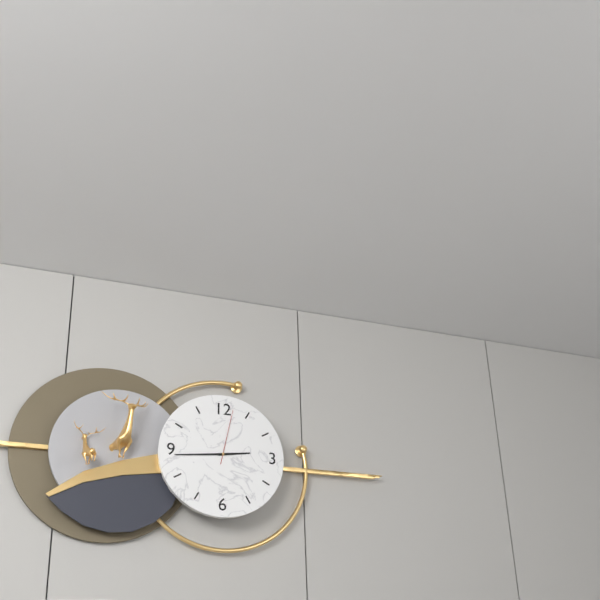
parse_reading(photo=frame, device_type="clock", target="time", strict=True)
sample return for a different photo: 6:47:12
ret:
2:44:02
